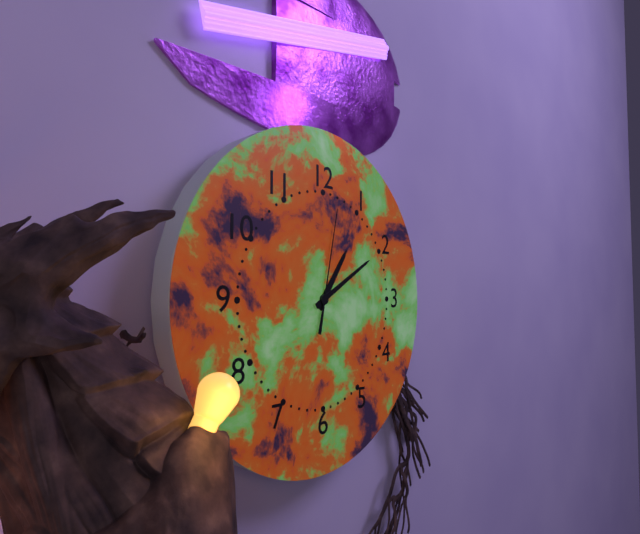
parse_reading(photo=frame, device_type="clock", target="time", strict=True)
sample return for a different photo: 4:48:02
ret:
1:10:02
